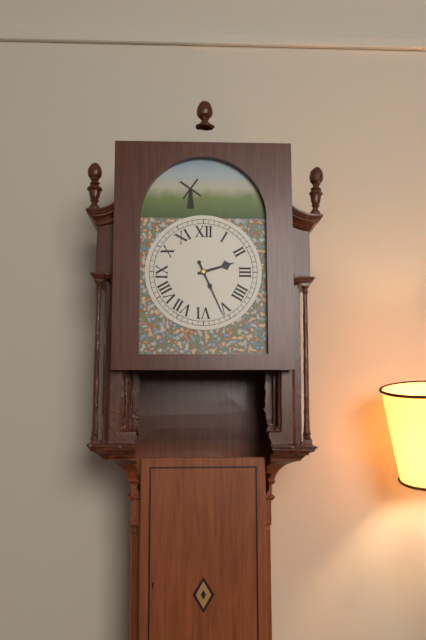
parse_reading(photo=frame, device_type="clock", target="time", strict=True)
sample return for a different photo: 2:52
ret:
2:26
